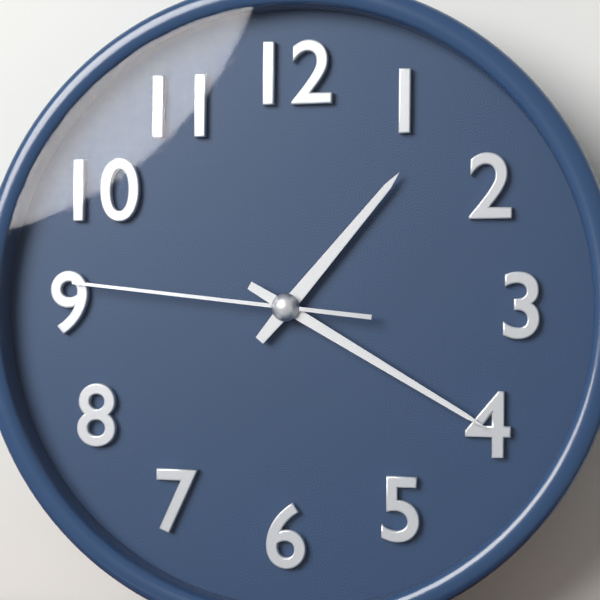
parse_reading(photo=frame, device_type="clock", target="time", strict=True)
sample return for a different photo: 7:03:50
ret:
1:20:46
